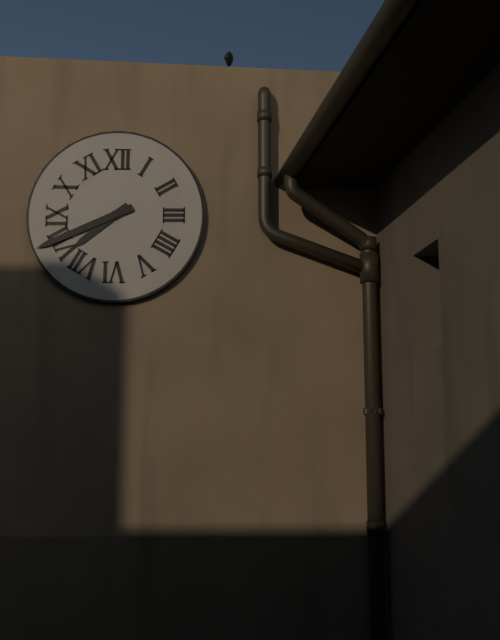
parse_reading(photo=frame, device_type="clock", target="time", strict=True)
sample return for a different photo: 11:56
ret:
7:41
